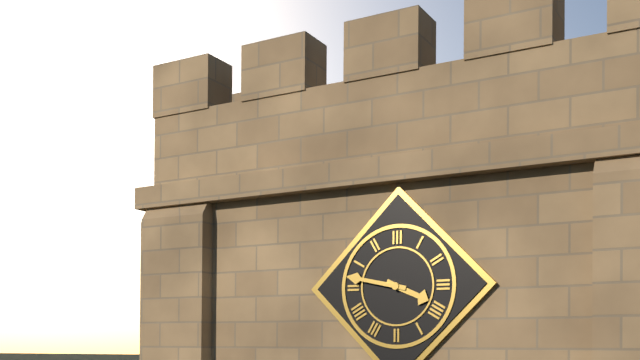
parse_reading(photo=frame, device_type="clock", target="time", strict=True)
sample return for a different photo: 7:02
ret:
3:47
